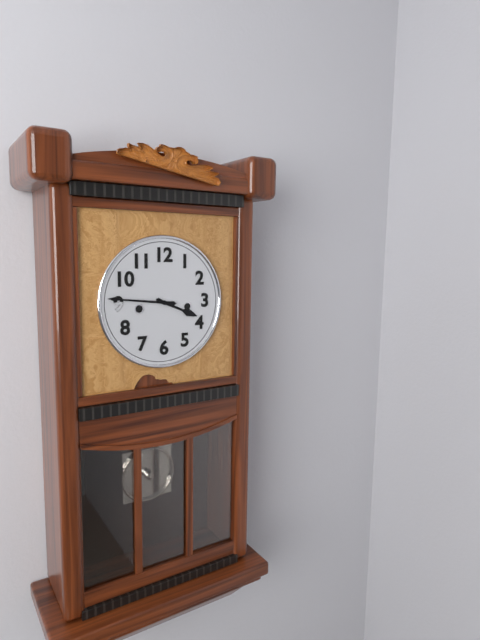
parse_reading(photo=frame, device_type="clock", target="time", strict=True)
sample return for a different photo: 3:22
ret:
3:46
